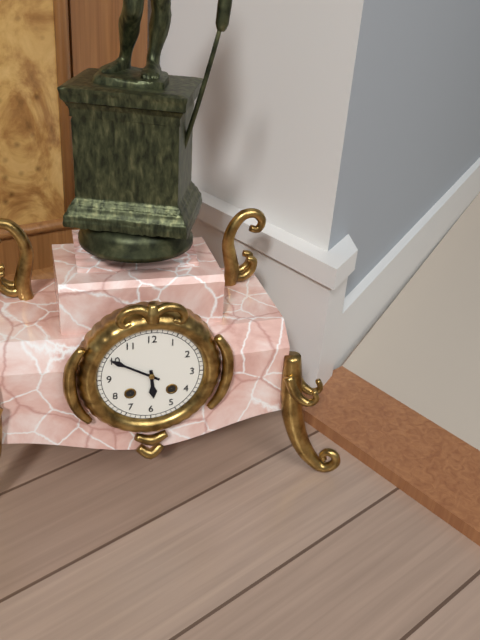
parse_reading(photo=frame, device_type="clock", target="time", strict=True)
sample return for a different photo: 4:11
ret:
5:50
